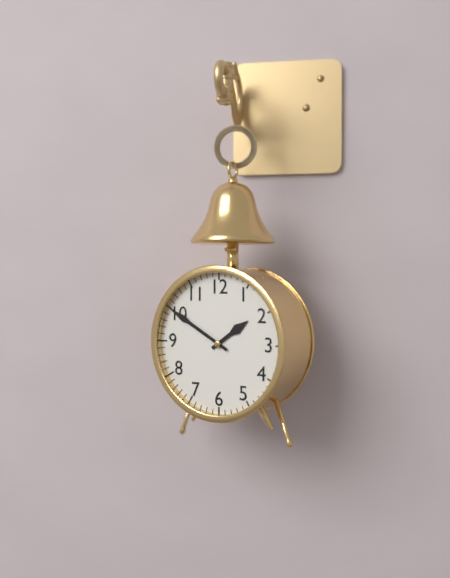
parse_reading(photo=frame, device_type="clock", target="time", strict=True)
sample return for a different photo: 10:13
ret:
1:50
